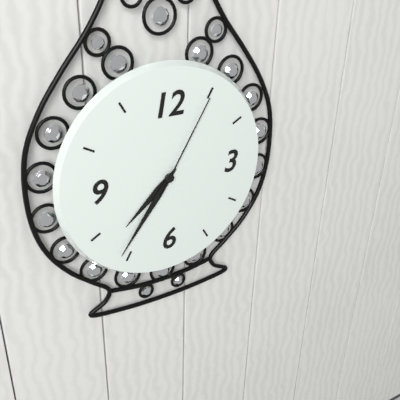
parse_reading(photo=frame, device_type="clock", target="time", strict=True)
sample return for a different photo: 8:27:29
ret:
7:36:05
